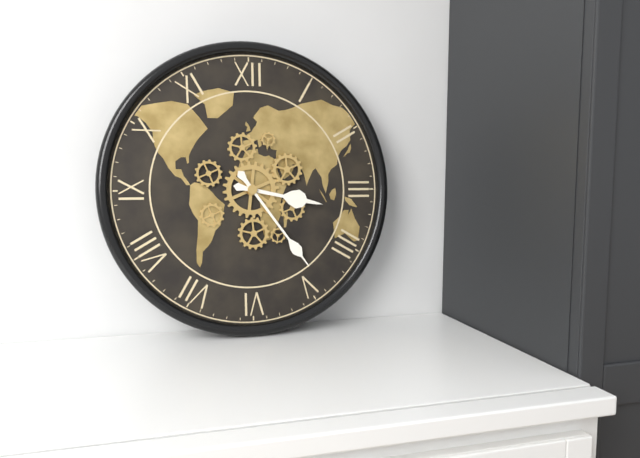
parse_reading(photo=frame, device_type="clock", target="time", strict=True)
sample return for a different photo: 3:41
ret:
3:24
